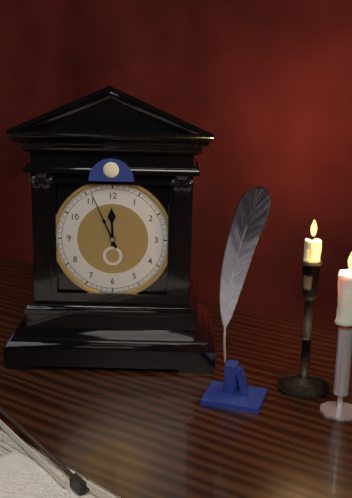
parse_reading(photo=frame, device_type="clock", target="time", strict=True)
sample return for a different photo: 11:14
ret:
11:56
